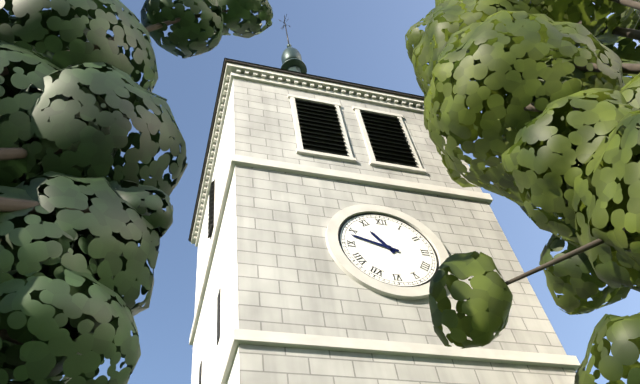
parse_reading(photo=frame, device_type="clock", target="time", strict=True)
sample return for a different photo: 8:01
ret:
10:48
